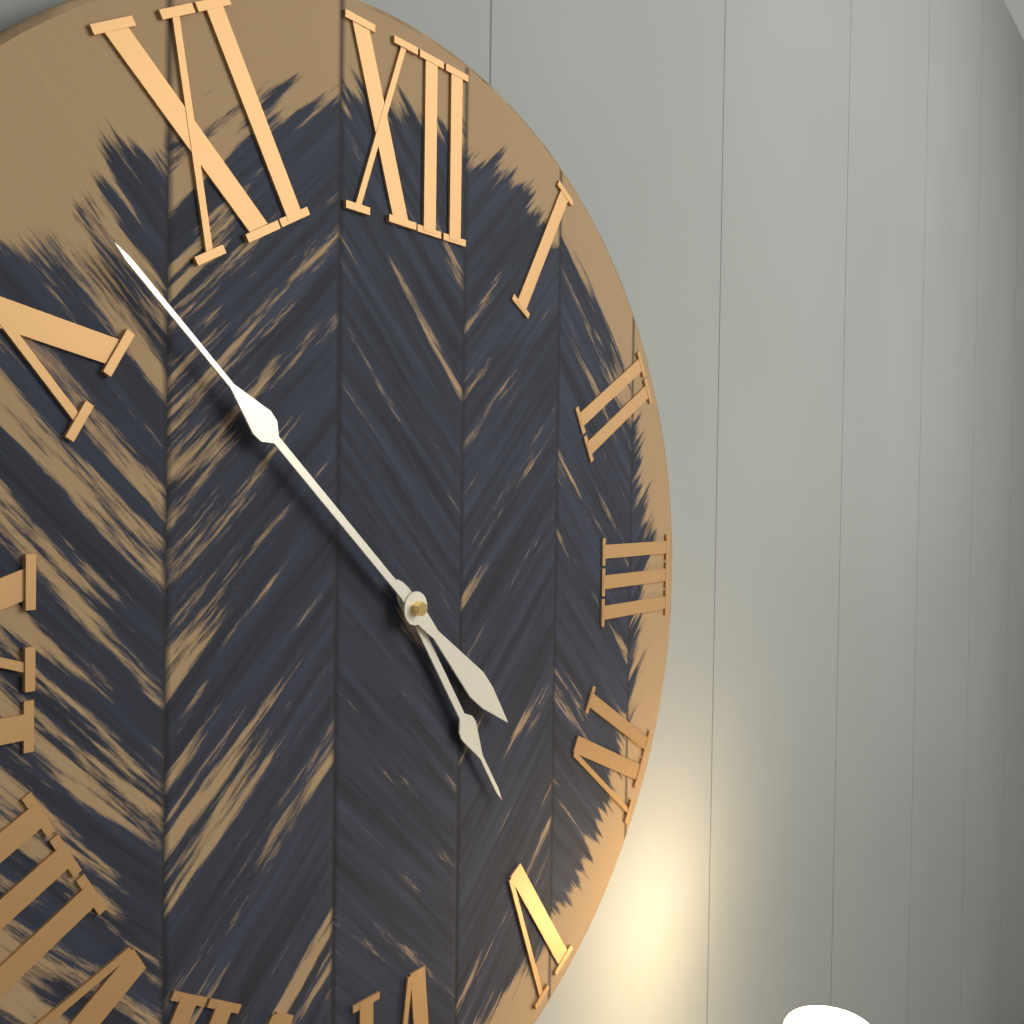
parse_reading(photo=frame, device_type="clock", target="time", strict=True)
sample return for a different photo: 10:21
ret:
4:52
